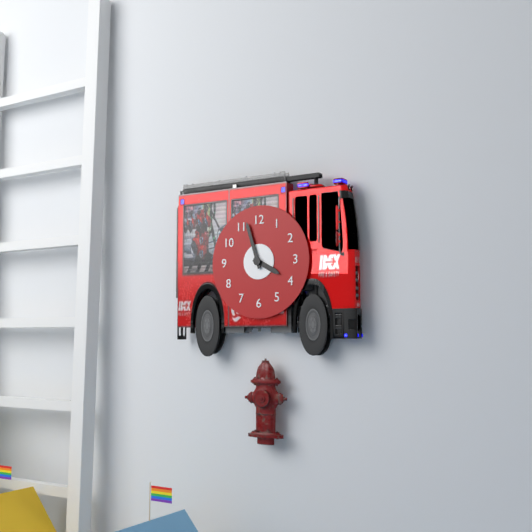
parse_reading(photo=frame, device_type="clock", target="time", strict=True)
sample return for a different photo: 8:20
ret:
3:57
